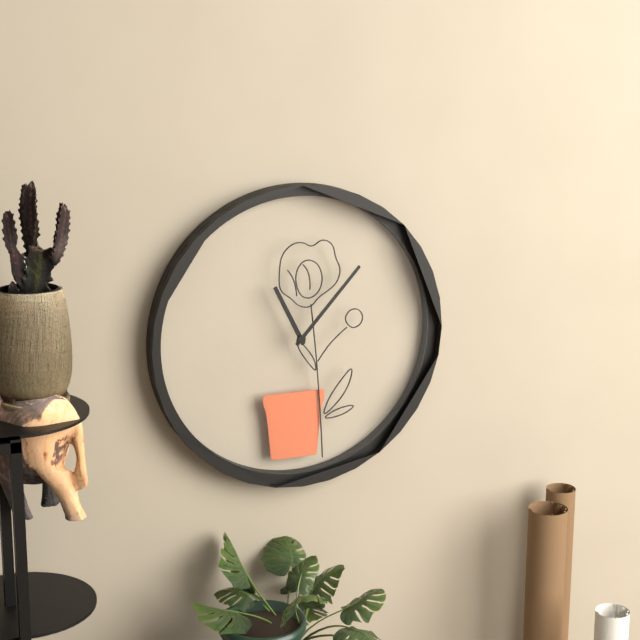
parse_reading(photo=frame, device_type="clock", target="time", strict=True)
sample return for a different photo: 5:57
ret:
11:07
